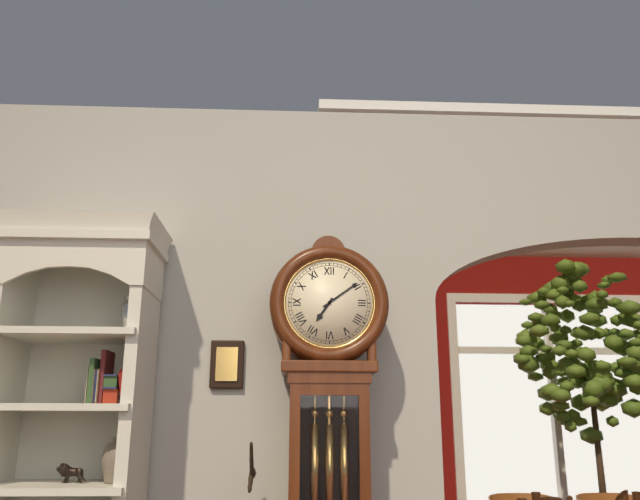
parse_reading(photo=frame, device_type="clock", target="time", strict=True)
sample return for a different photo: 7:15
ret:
7:09
